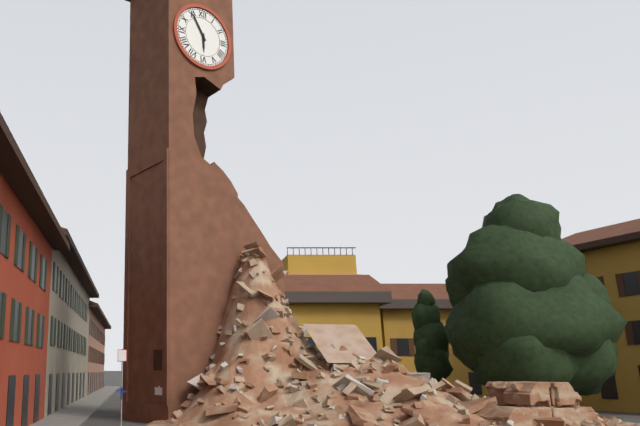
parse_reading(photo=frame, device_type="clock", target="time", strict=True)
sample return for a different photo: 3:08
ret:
5:55
